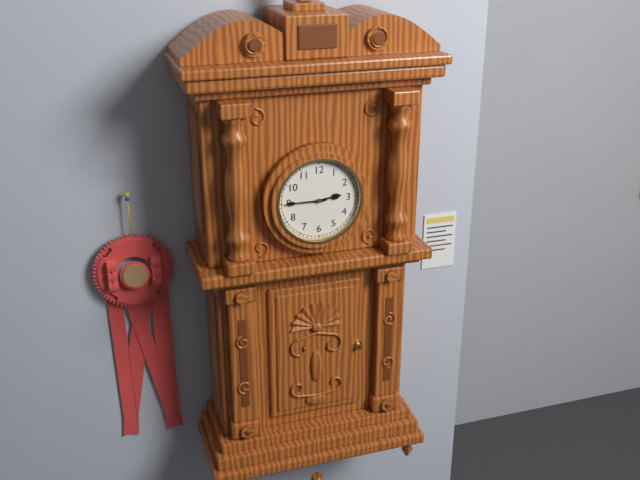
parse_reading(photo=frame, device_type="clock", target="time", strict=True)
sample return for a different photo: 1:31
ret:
2:45
